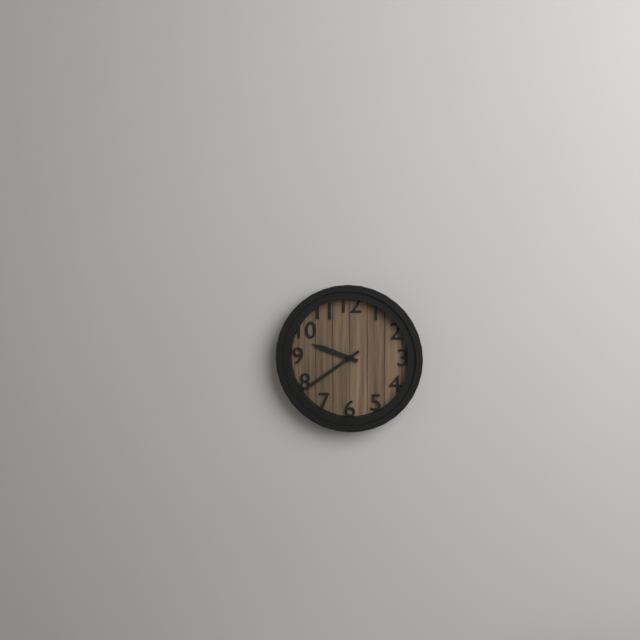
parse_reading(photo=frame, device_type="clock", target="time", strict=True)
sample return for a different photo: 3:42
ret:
9:39
